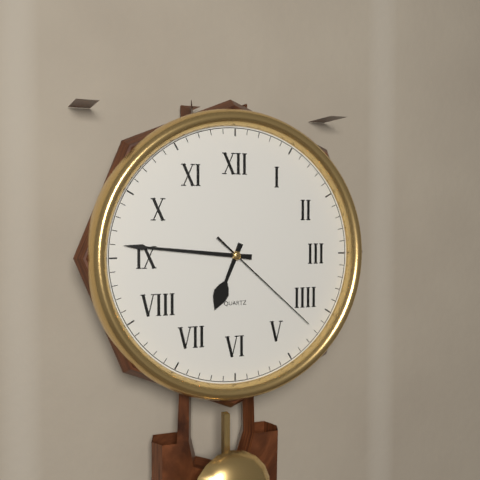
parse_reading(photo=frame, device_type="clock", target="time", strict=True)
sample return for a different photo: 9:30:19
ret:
6:46:22
